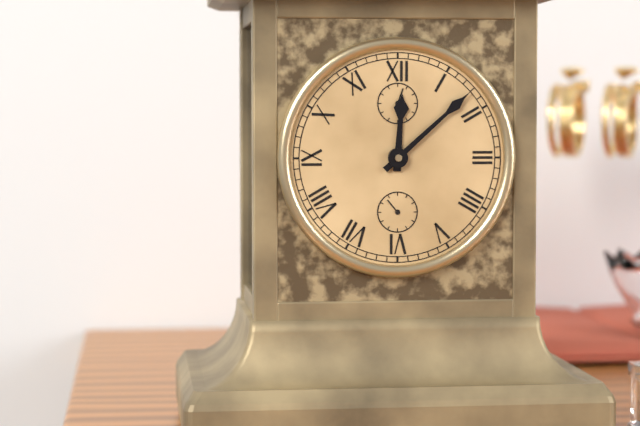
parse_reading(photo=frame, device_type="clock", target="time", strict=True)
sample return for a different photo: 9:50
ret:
12:08
